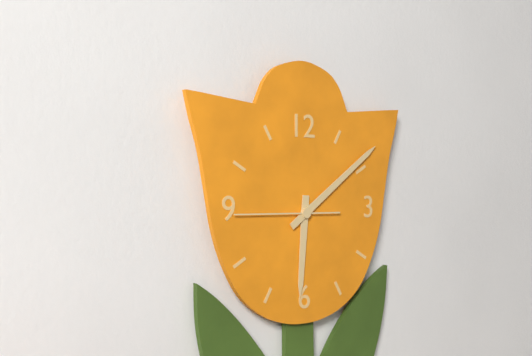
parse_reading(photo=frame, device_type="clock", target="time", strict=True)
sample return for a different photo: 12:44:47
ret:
6:09:45
